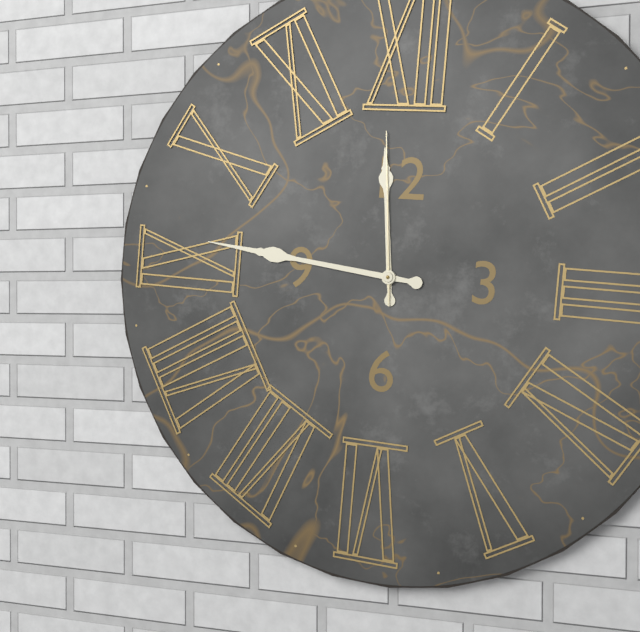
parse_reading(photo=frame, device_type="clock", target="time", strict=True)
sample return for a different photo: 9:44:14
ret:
11:46:59
